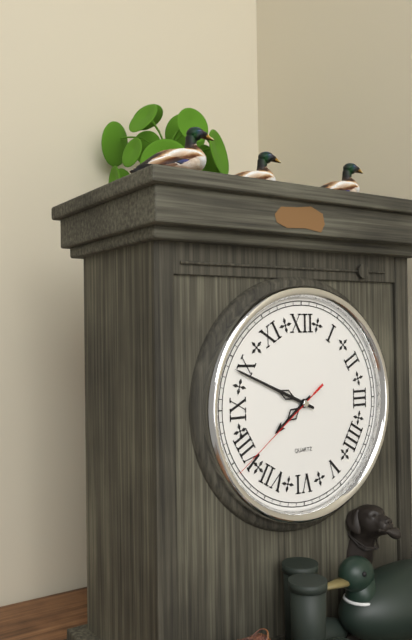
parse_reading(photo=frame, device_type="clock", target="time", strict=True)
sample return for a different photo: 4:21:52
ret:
7:49:39
